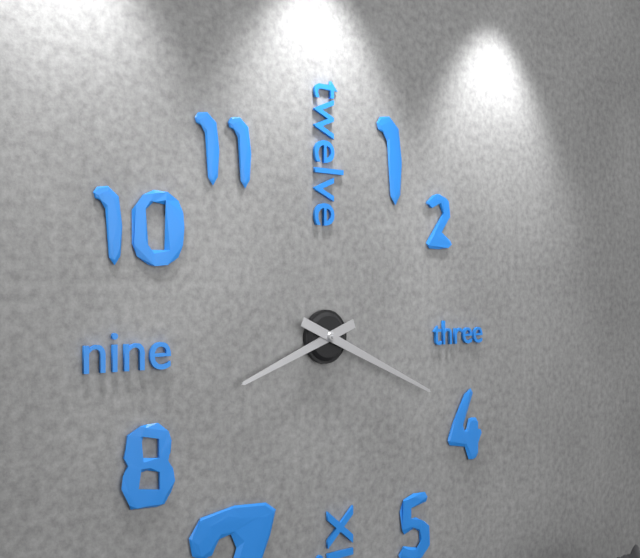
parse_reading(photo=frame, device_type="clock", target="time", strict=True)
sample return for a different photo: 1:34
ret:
8:19
